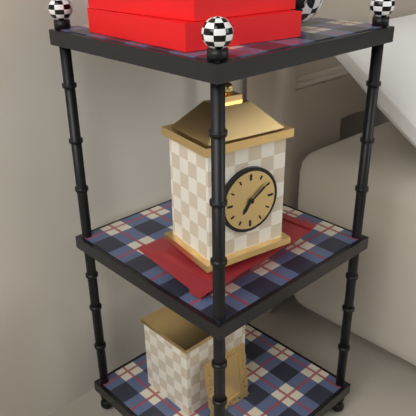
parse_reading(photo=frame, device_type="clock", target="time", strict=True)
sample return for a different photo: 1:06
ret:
7:09
